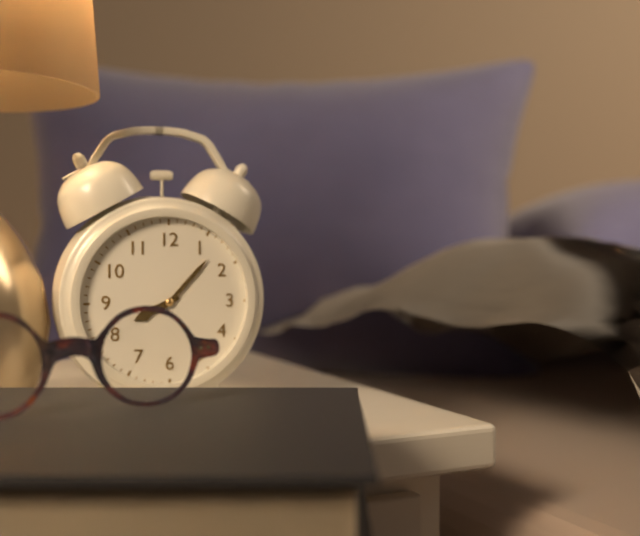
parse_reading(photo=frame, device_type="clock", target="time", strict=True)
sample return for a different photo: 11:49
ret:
8:07
